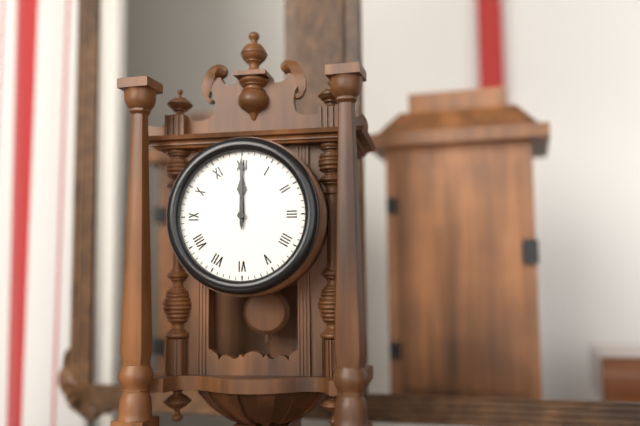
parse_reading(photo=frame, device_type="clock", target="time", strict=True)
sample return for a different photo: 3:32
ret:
12:00
